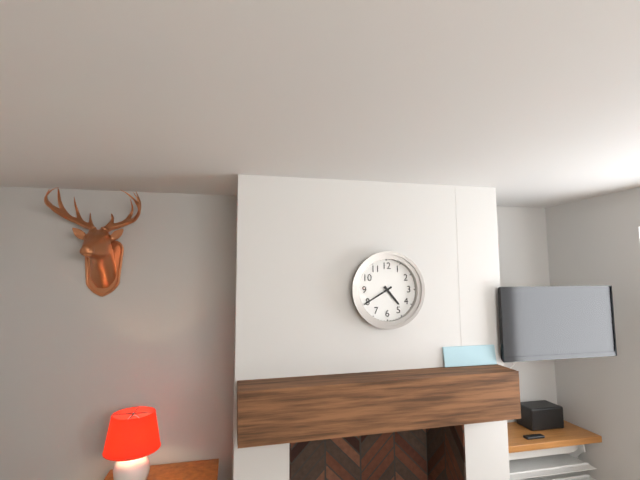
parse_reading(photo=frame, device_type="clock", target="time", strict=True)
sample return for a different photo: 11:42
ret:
4:40
